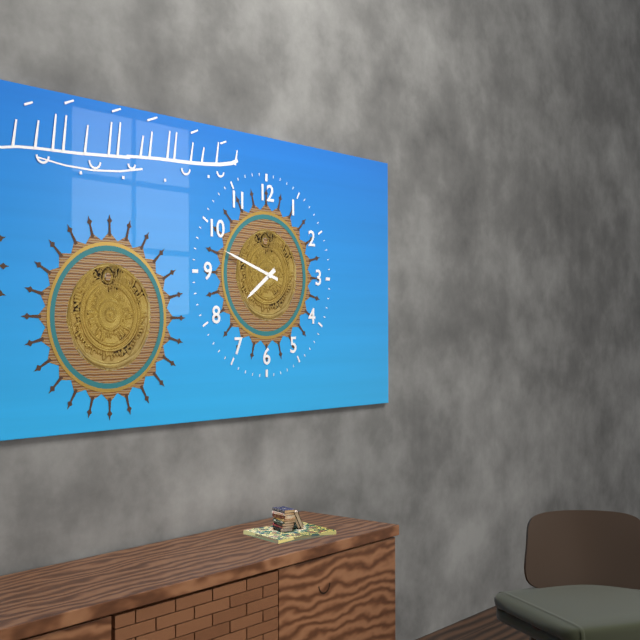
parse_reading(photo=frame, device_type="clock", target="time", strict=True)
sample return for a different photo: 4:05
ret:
7:48
